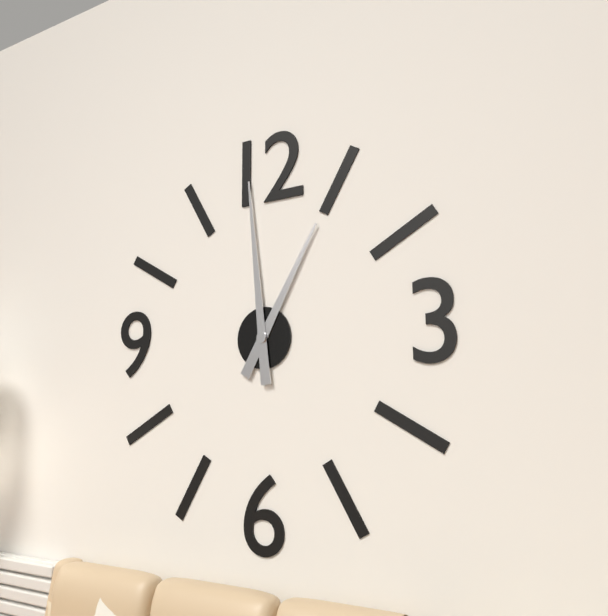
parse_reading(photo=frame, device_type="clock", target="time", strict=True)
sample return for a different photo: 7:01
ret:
12:59
